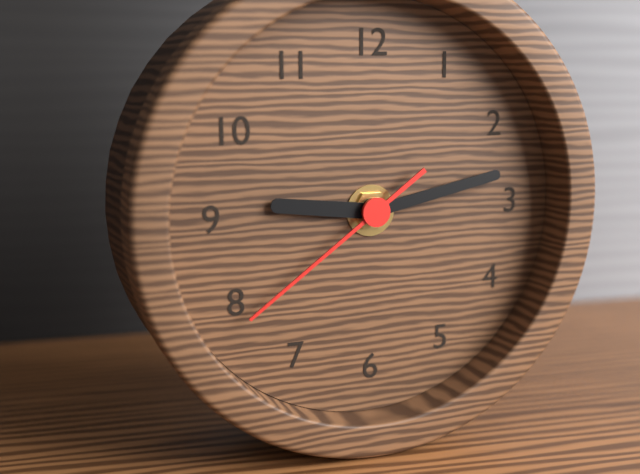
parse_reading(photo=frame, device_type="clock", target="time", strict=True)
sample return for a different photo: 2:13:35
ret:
9:13:39
